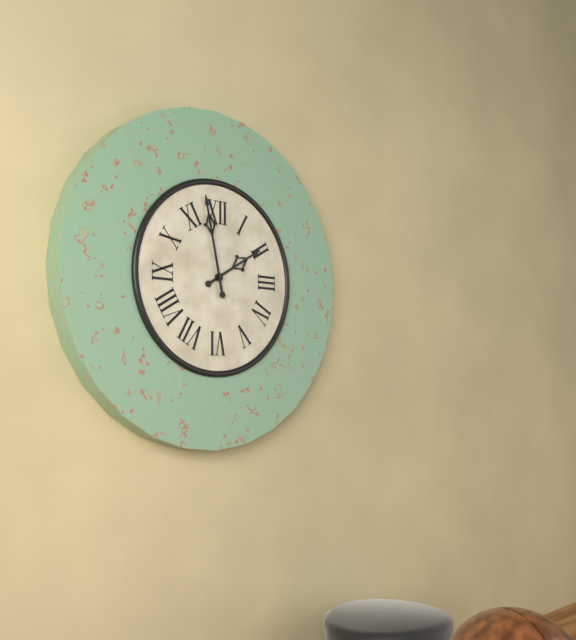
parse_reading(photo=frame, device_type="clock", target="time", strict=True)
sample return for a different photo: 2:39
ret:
1:58
